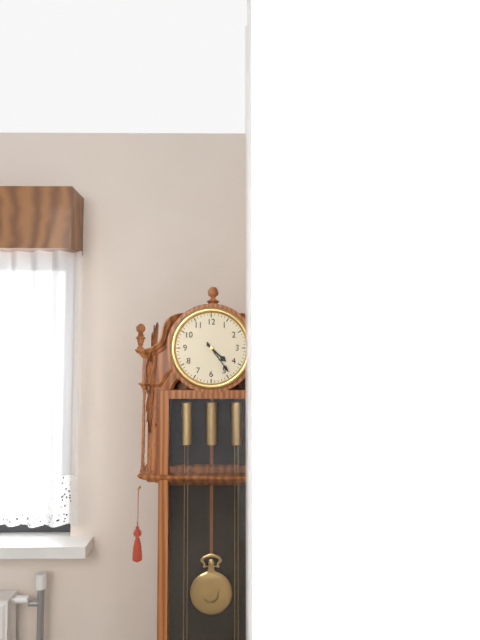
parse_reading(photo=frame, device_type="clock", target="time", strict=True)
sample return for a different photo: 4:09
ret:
4:24
